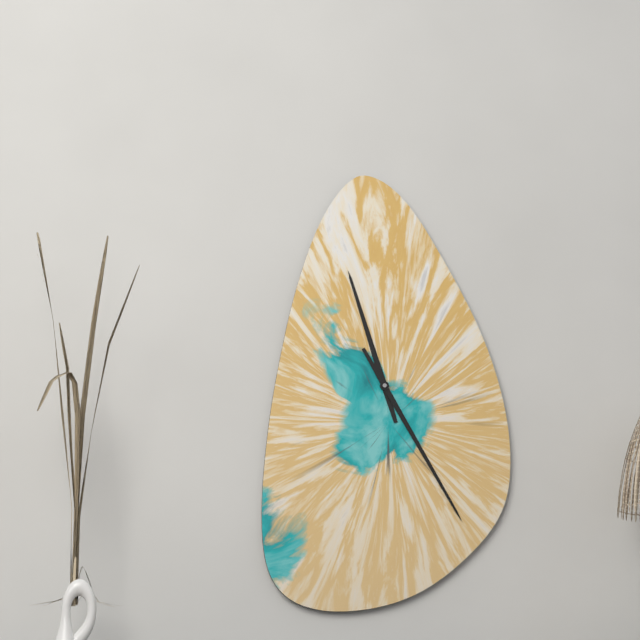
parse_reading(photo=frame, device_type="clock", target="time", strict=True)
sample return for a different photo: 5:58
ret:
11:25
